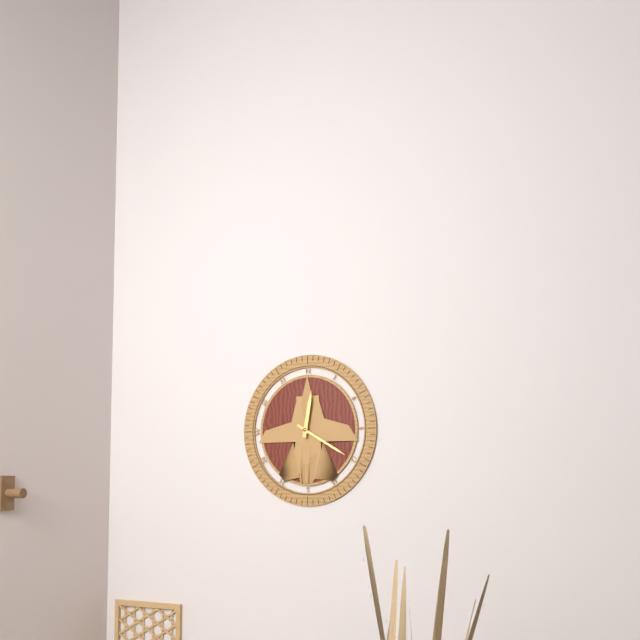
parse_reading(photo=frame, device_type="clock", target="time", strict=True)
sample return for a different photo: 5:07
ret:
12:20
